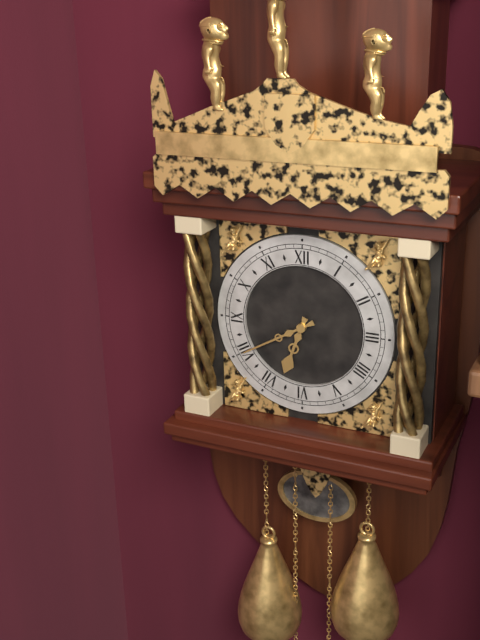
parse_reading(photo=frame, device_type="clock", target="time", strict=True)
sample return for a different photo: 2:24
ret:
6:40
